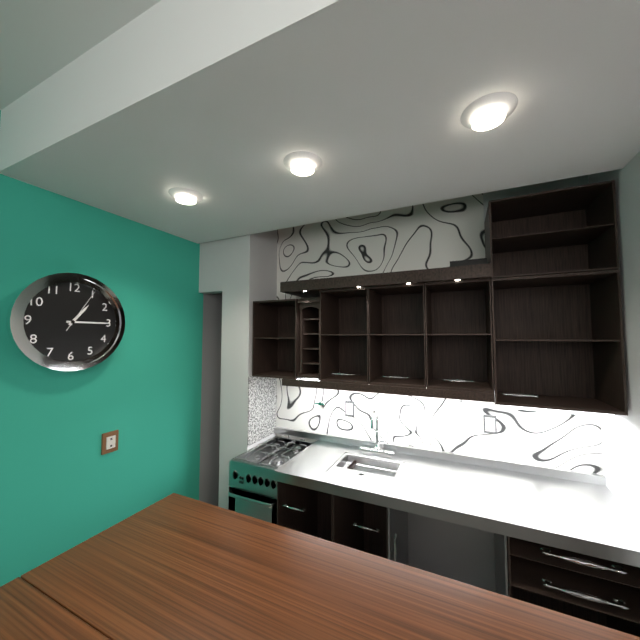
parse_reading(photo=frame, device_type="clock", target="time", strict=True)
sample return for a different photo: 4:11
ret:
1:15
